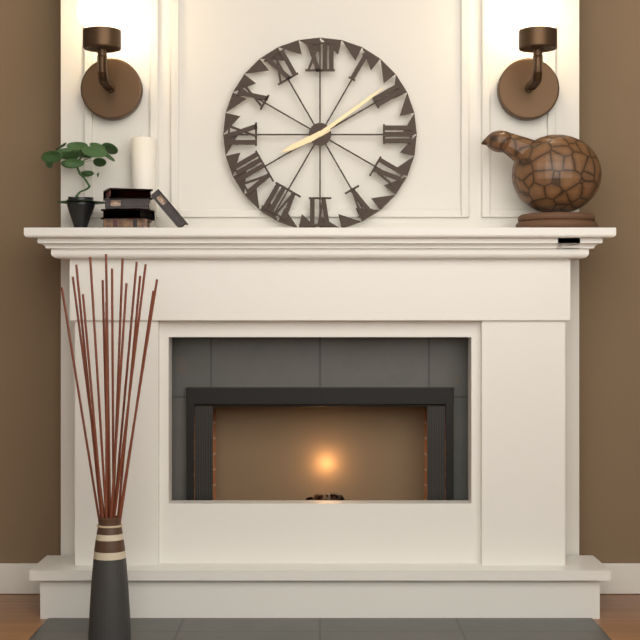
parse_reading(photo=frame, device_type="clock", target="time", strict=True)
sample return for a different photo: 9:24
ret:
8:09
